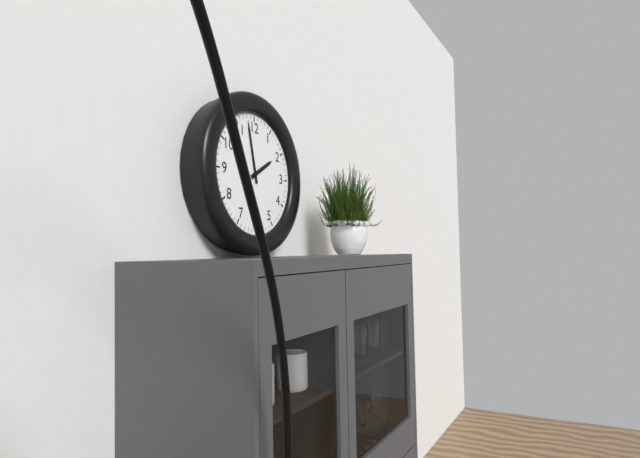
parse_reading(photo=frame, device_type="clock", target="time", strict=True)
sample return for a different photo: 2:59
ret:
1:58
